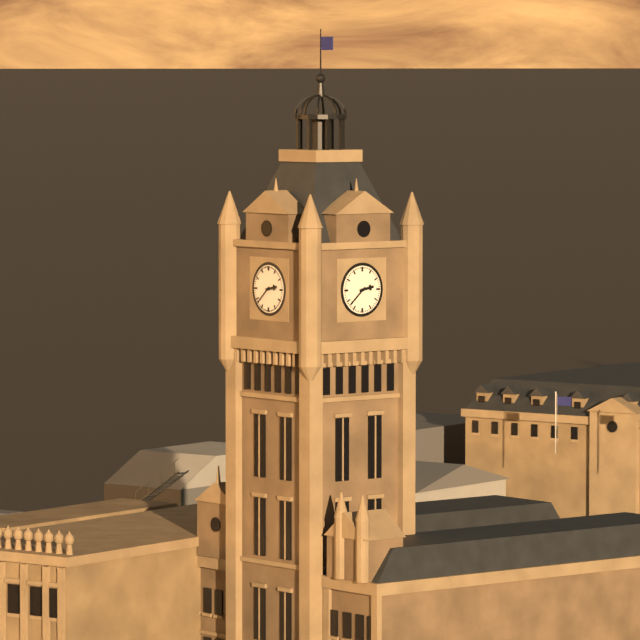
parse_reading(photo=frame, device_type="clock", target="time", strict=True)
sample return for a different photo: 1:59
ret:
2:38
